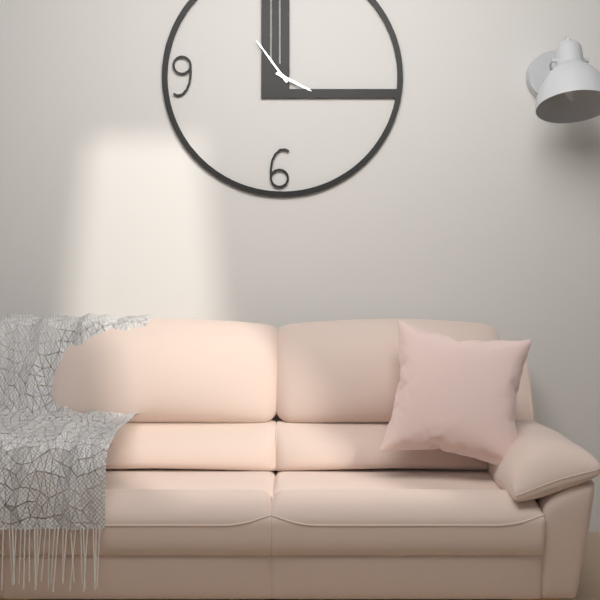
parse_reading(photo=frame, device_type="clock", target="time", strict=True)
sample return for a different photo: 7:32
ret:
3:54
